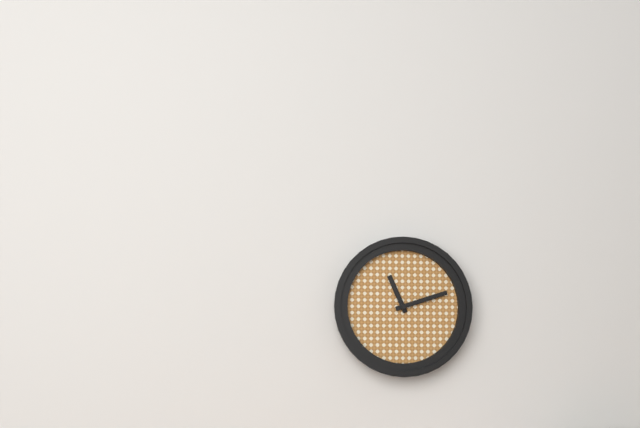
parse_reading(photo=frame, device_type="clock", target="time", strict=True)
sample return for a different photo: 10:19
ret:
11:12
